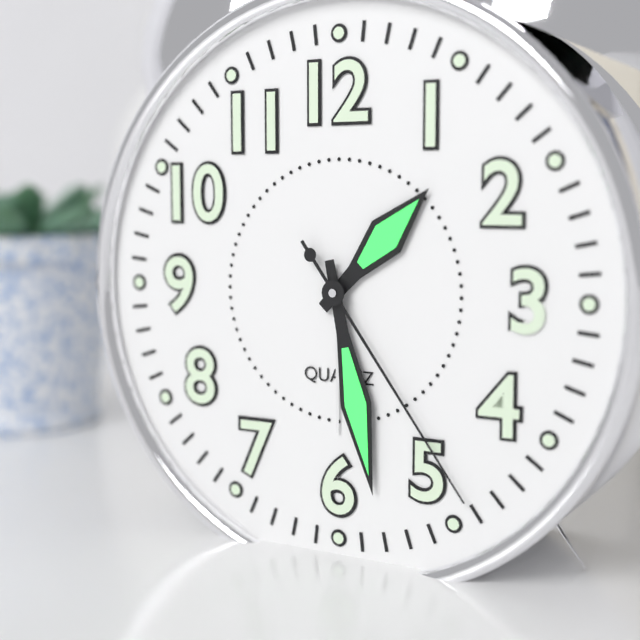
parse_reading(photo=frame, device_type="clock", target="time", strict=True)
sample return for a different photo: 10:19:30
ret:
1:28:24
